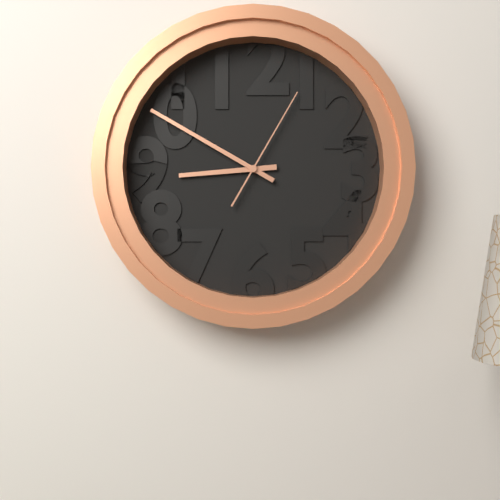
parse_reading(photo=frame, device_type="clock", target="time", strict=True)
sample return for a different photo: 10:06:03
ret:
8:50:05
